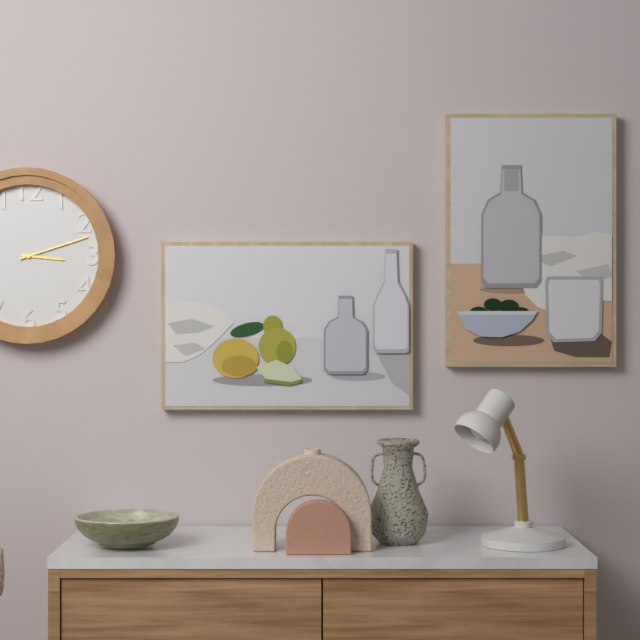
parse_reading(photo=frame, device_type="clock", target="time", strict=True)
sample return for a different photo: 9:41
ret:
3:12
